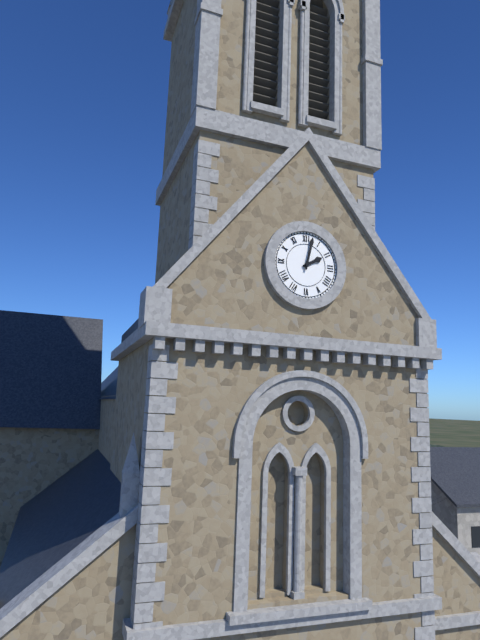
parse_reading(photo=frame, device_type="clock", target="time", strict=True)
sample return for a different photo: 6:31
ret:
2:02
